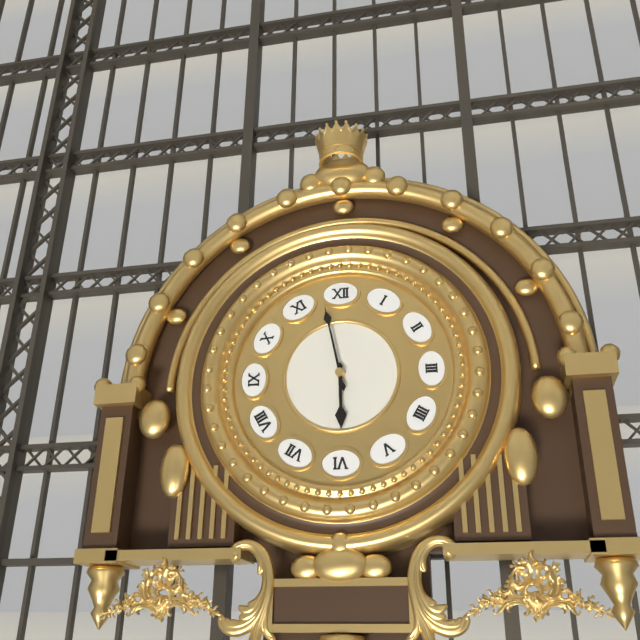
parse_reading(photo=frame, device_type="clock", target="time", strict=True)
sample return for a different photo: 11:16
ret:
5:58
